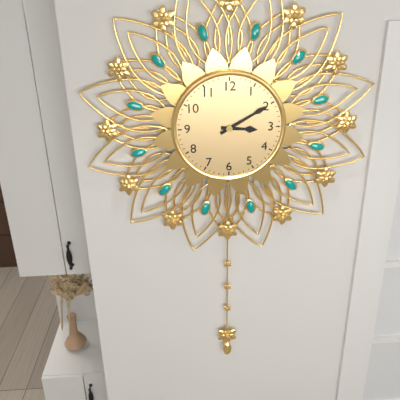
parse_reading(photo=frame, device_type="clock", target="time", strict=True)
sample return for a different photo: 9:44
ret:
3:10
